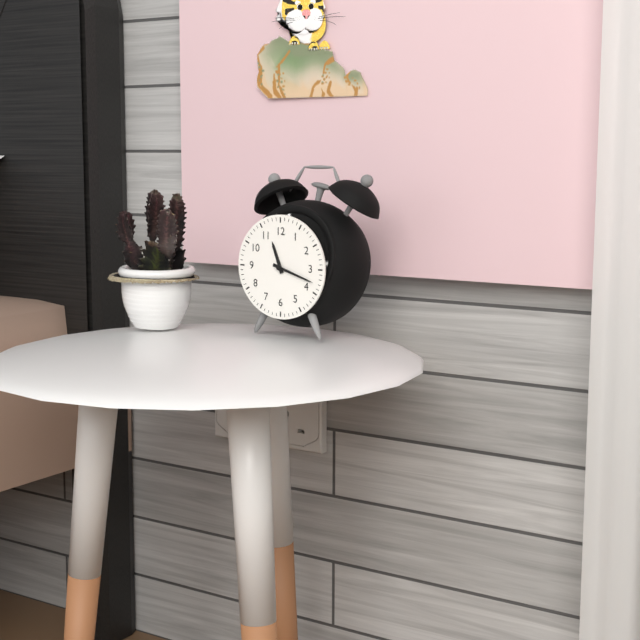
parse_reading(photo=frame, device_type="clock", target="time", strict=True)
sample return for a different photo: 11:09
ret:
11:18
